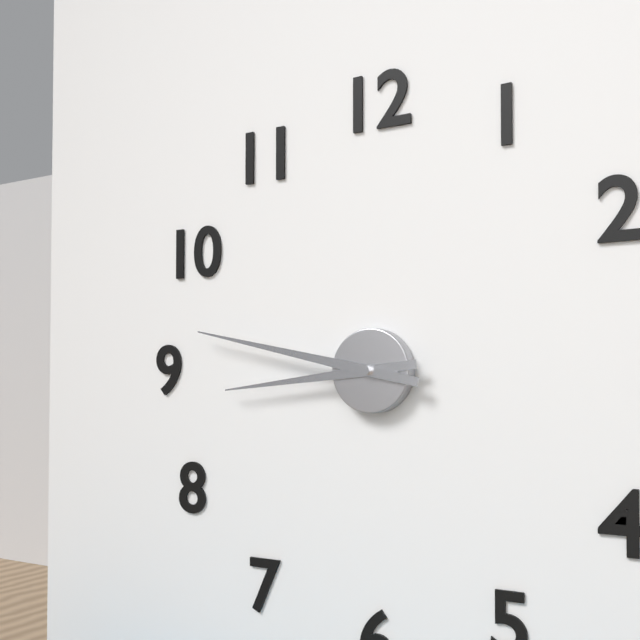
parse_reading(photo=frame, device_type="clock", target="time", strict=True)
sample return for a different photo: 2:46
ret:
8:47
